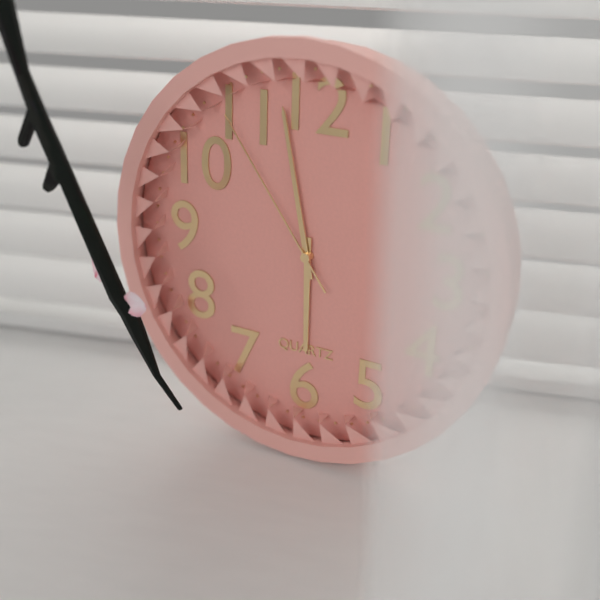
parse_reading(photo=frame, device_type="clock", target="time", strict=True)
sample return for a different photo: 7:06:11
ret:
5:58:54
